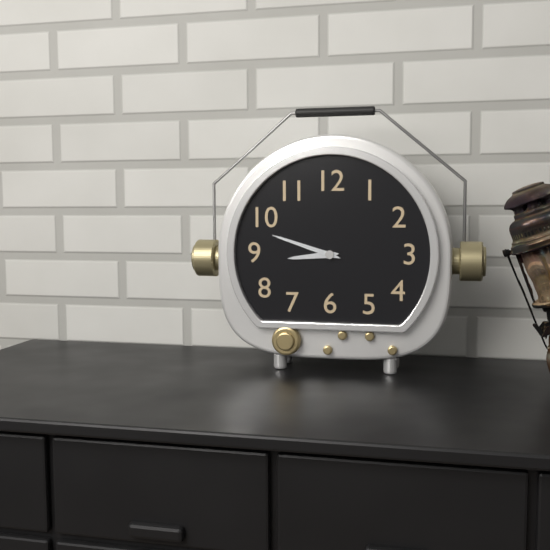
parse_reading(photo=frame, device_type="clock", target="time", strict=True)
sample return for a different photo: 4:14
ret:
8:48
